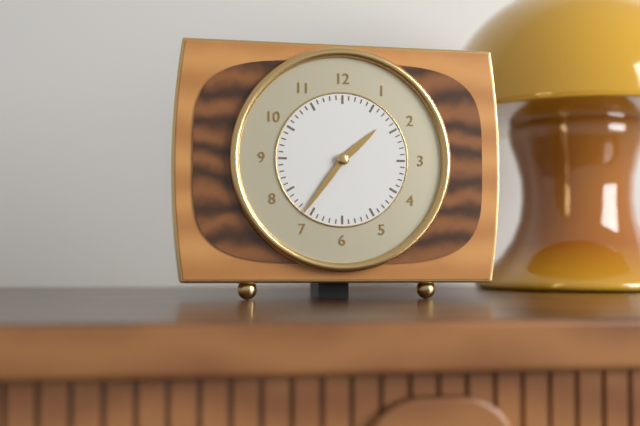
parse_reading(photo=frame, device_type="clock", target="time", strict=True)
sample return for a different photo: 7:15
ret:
1:36
